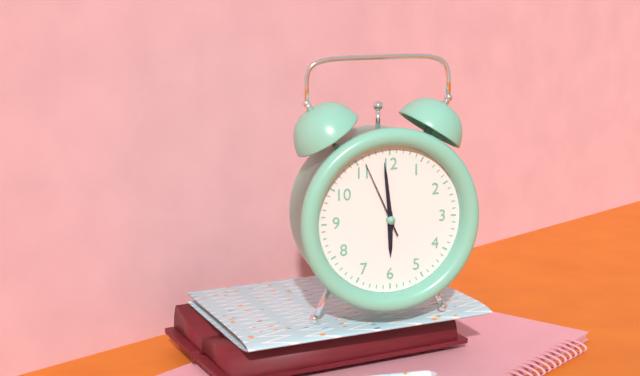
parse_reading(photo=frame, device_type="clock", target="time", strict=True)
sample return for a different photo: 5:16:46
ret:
5:59:56
